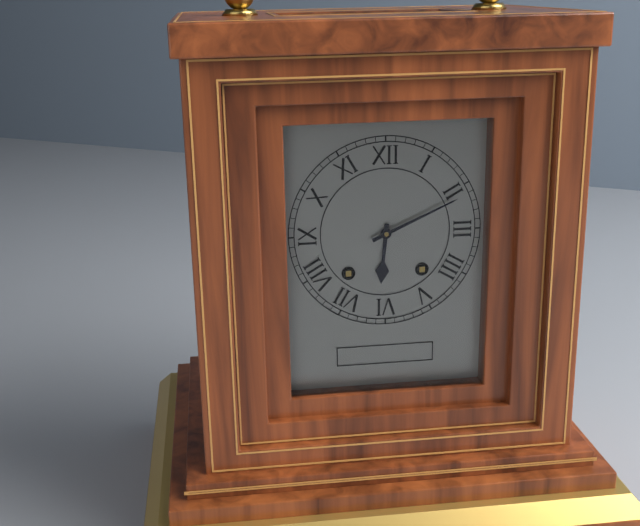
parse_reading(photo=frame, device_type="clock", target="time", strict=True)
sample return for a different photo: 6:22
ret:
6:11
